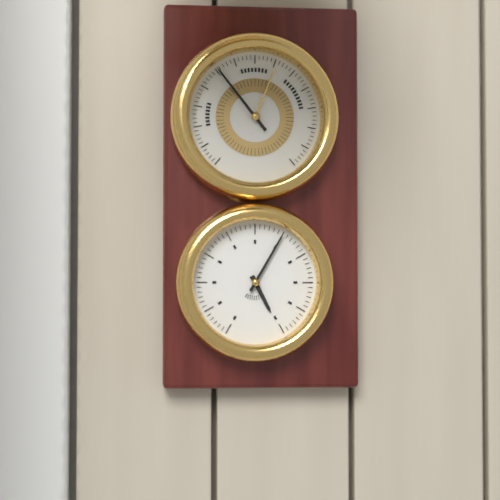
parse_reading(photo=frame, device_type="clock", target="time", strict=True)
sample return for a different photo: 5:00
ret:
5:05
